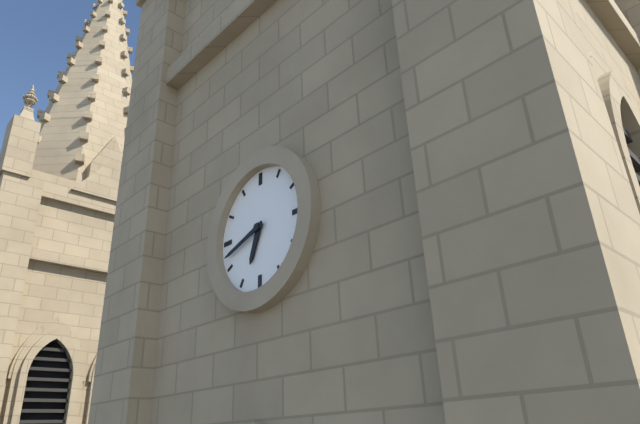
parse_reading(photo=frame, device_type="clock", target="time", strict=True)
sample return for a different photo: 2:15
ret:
6:42
